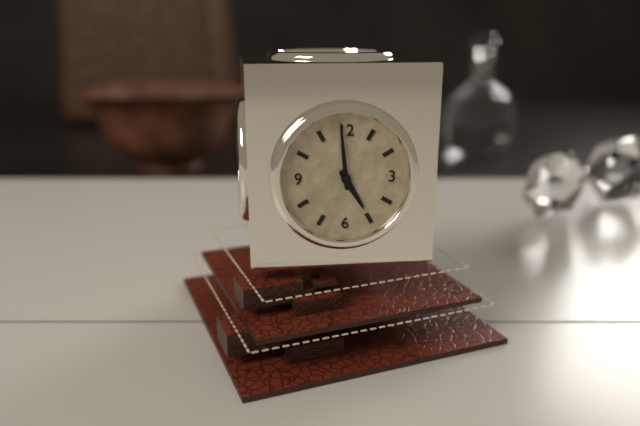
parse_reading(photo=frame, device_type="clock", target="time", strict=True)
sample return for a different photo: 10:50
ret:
4:59
